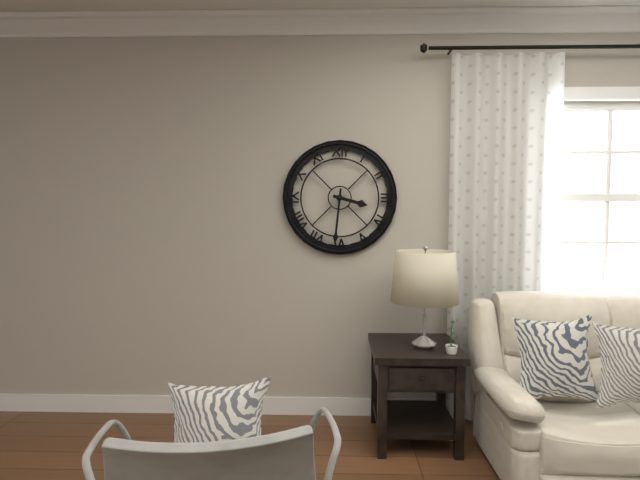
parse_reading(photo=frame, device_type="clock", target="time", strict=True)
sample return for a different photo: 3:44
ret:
3:31
